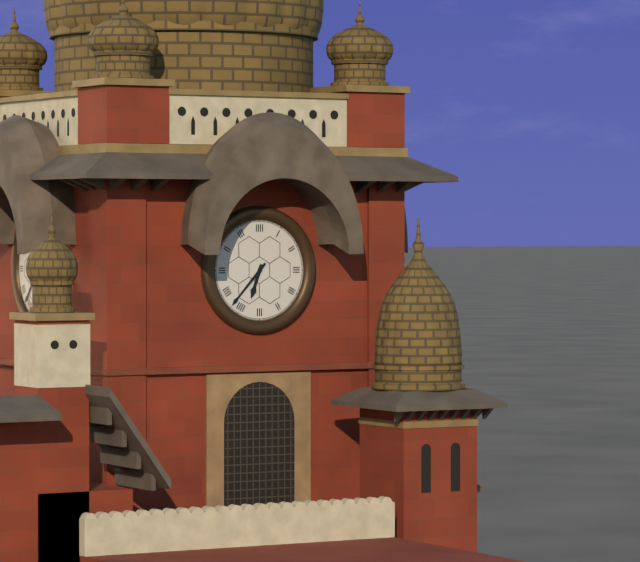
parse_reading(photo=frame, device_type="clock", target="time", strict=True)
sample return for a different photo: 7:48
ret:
6:37
